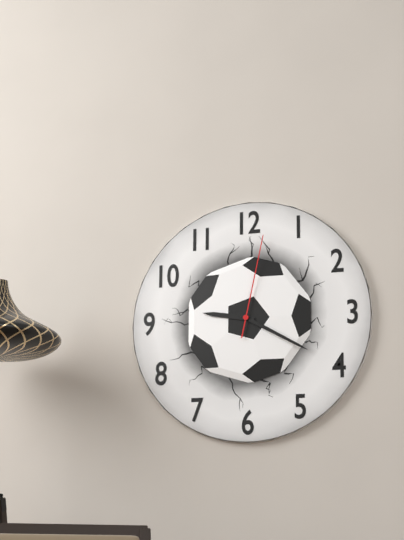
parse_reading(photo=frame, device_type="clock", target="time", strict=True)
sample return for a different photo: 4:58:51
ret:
9:20:02
